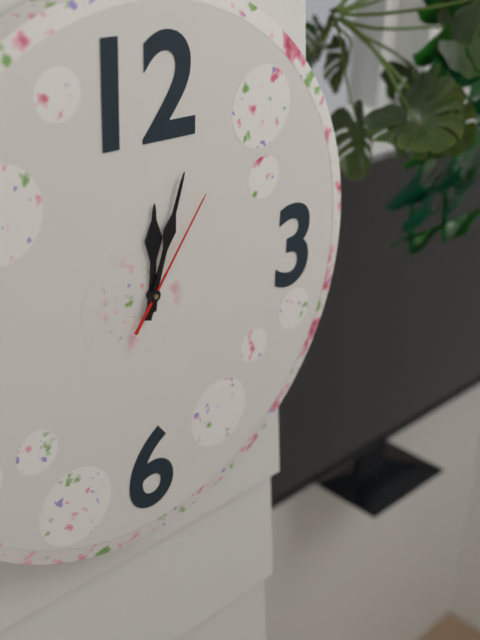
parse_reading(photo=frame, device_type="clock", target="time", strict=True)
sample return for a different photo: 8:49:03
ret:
12:03:06
